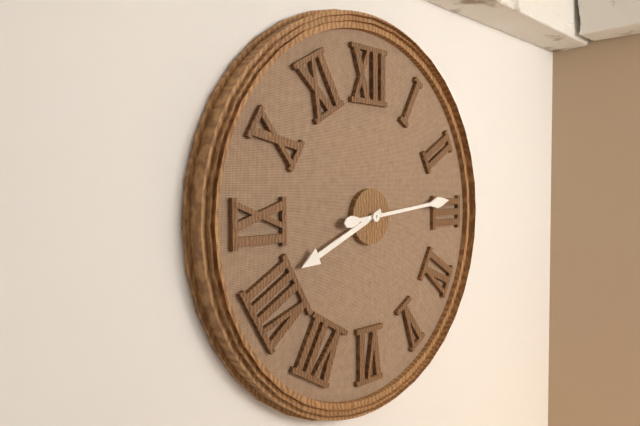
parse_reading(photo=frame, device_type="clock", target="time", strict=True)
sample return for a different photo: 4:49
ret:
8:14
